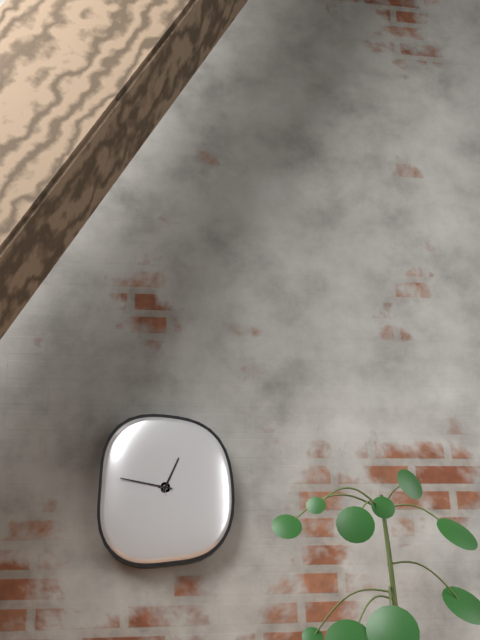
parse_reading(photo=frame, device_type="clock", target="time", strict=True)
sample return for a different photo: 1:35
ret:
12:47
